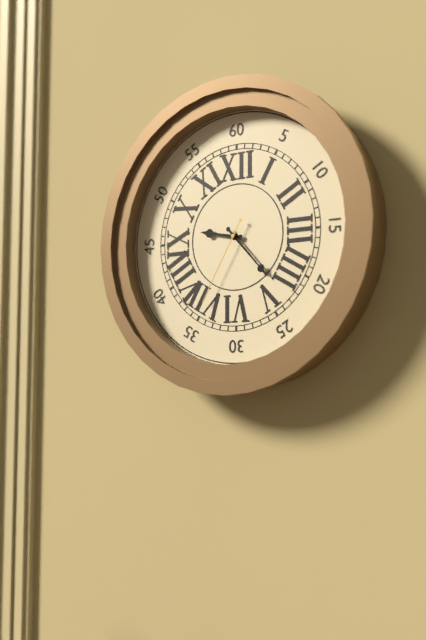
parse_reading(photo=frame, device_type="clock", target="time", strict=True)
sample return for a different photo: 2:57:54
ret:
9:23:35
